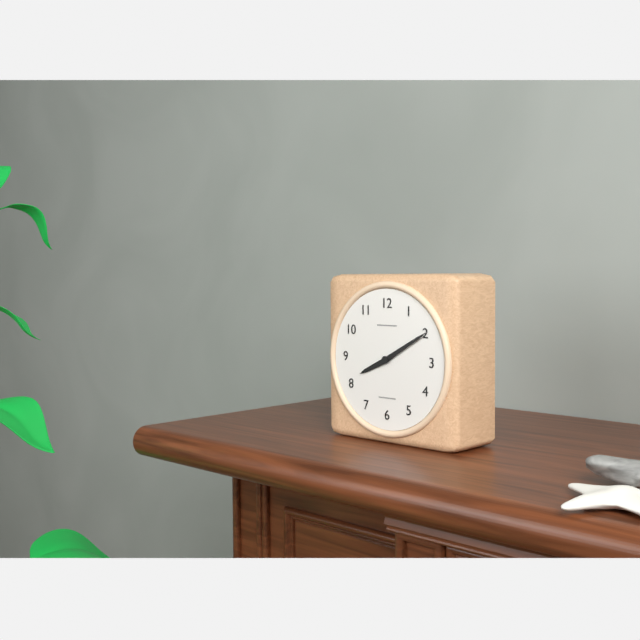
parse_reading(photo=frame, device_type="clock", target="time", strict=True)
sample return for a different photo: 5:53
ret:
8:10
